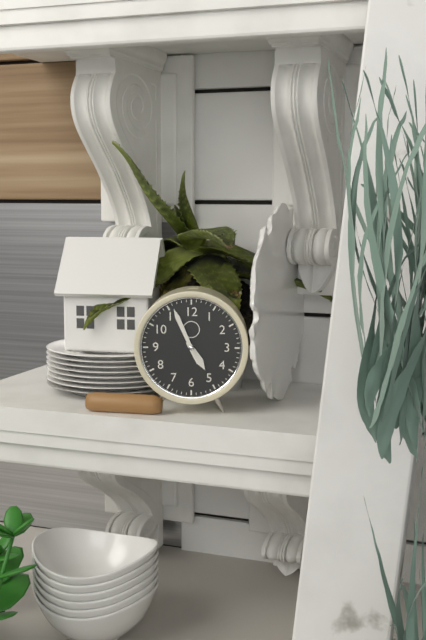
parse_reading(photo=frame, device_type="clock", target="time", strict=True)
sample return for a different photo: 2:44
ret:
4:56
